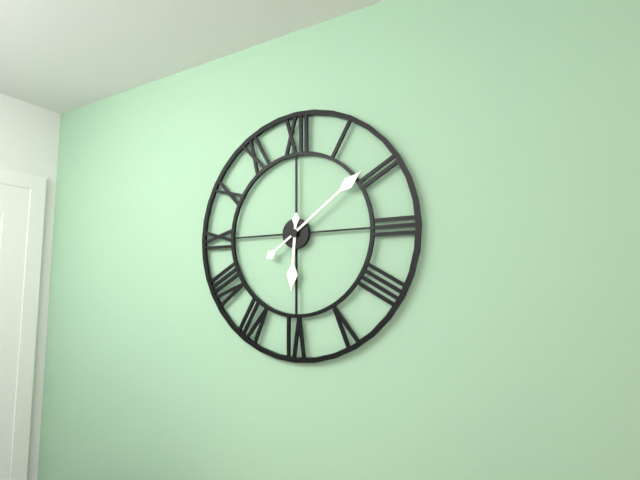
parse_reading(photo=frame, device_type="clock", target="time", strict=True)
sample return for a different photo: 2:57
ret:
6:09
